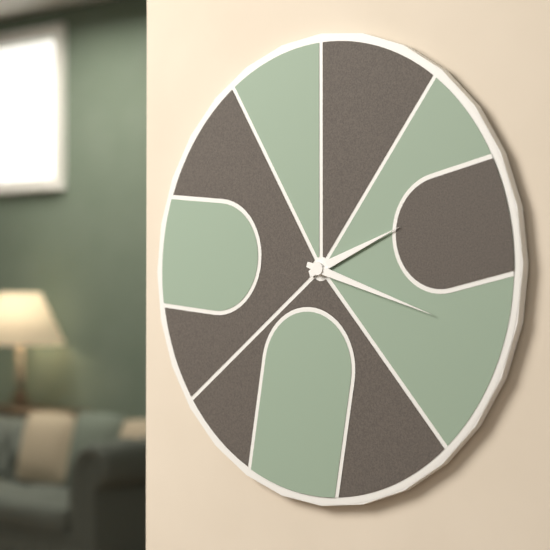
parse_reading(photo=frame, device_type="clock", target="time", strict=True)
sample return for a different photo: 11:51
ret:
2:18
